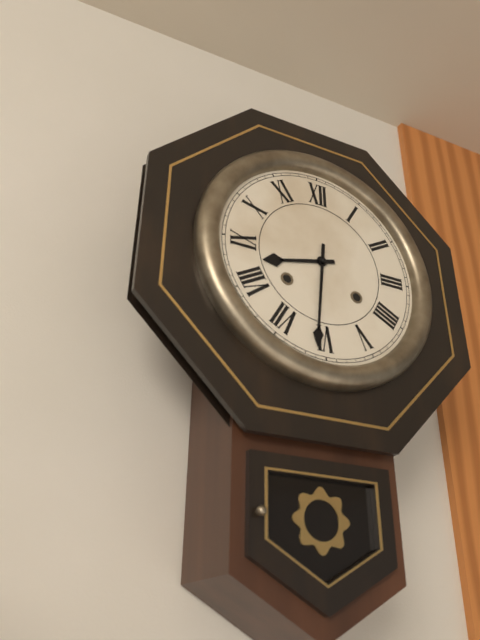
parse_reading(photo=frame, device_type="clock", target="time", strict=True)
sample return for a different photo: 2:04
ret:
8:31
